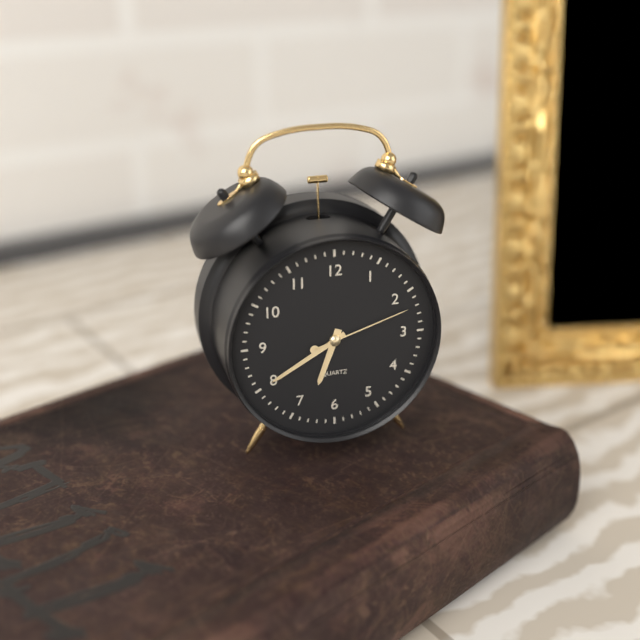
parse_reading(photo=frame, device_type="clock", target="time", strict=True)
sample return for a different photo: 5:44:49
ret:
6:40:12
